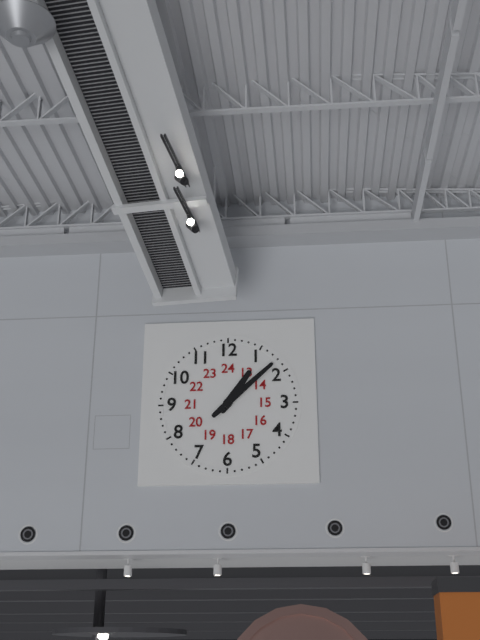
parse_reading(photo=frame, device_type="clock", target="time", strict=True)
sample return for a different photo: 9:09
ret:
1:08
